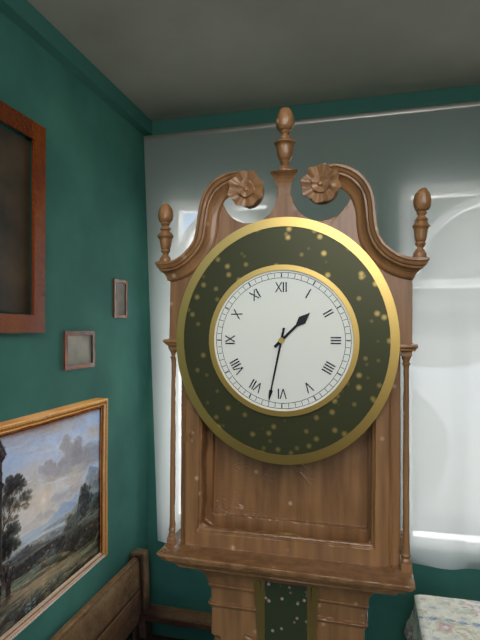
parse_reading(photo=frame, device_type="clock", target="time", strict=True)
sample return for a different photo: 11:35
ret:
1:32
